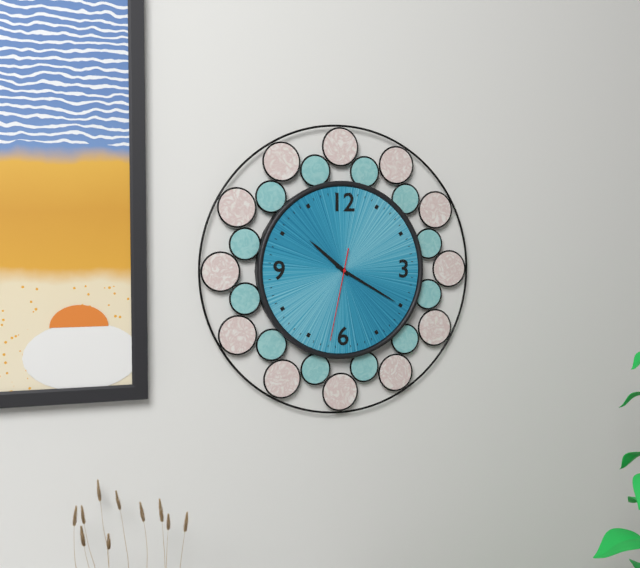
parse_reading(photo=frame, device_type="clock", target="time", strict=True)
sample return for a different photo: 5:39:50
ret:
10:20:32
